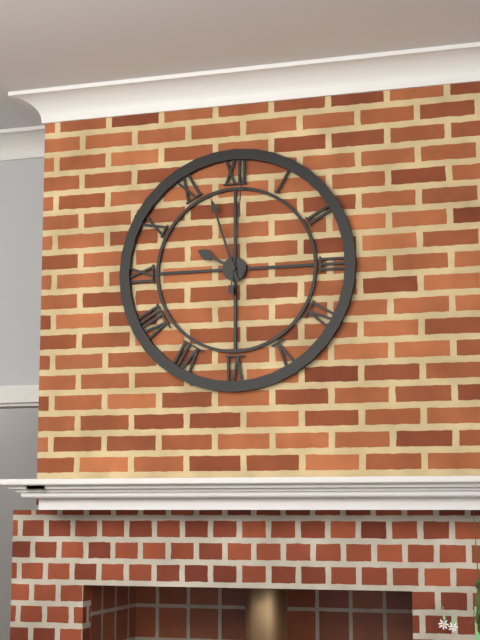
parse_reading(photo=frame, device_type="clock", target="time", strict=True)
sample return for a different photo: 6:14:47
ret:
9:57:01
